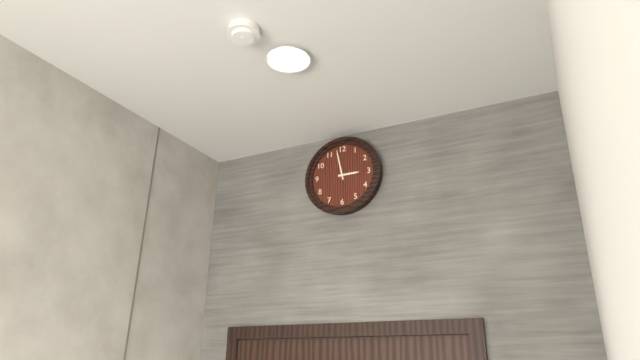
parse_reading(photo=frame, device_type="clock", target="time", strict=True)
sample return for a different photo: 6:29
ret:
2:58
